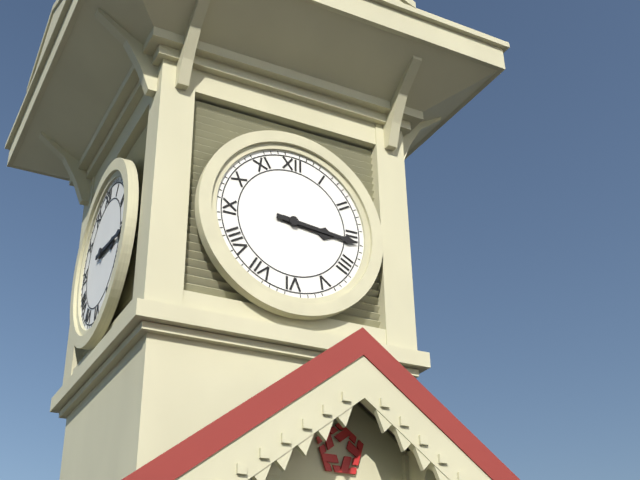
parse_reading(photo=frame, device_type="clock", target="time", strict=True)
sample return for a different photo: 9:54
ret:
3:16
